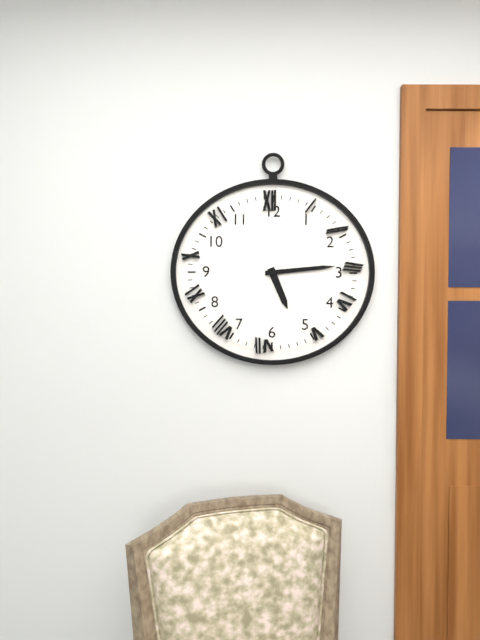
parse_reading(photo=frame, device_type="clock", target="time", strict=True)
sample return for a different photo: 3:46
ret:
5:14
